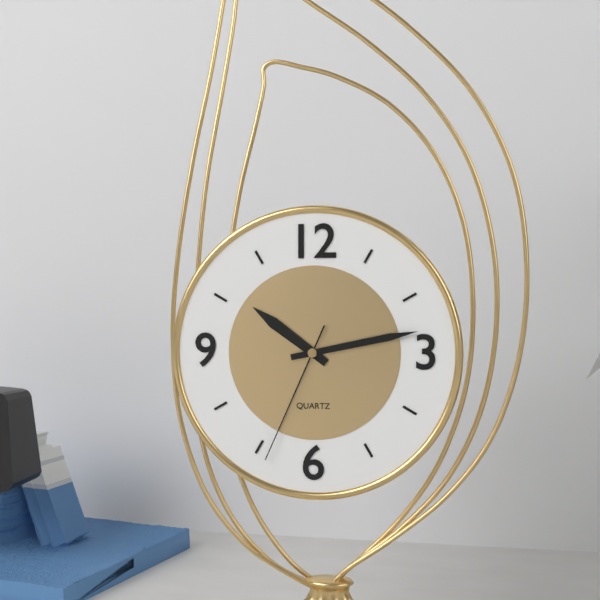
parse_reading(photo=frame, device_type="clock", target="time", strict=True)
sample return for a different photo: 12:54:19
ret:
10:13:34
